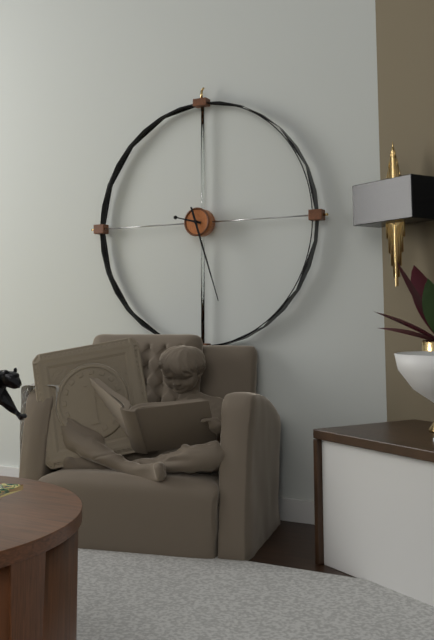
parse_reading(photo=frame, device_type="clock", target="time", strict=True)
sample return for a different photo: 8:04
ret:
9:27
